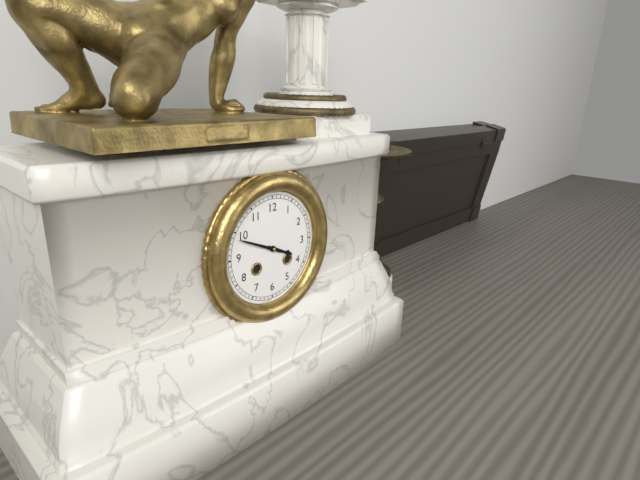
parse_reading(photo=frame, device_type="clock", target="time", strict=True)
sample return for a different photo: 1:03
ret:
3:49
